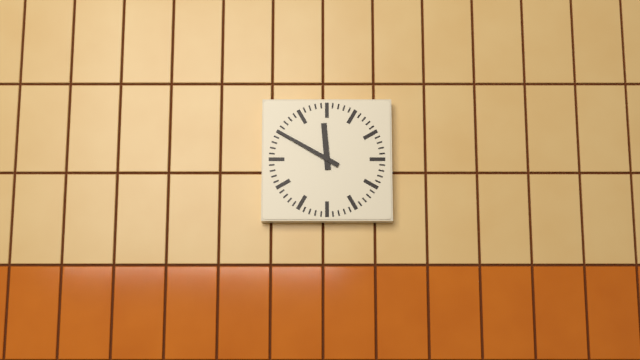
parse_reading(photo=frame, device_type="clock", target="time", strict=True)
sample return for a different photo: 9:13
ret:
11:50
